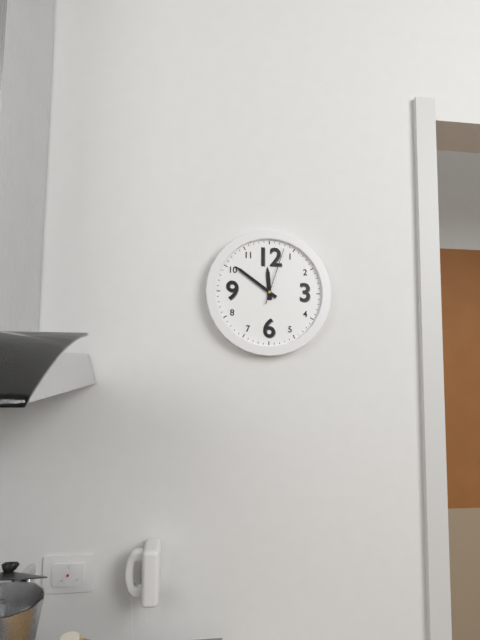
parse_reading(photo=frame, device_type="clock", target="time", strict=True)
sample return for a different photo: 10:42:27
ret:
11:51:03
